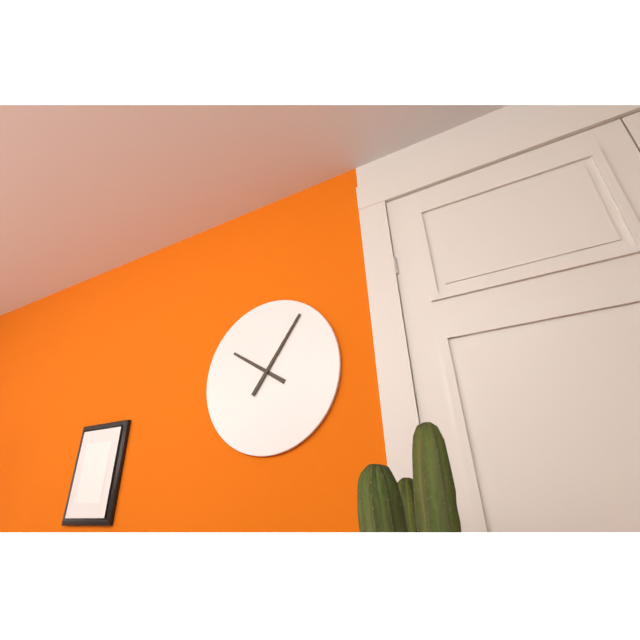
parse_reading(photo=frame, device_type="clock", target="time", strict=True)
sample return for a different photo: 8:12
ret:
10:06
